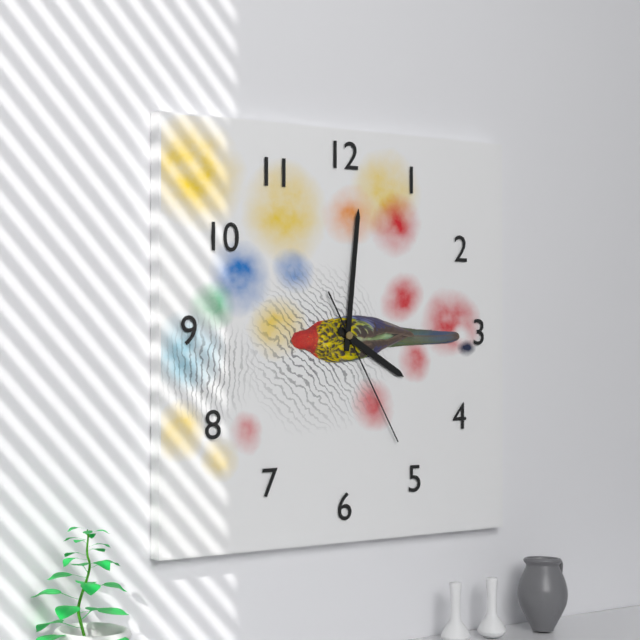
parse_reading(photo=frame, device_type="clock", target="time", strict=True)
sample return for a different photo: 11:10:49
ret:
4:01:25
